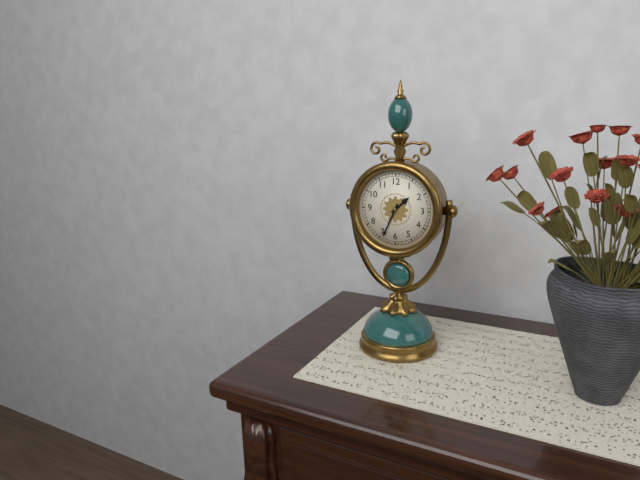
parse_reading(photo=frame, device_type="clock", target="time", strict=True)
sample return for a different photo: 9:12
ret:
1:34
